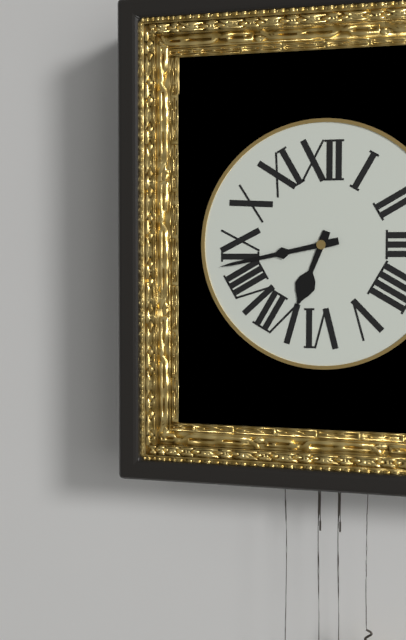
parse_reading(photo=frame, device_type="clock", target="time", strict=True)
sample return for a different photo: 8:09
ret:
6:43
